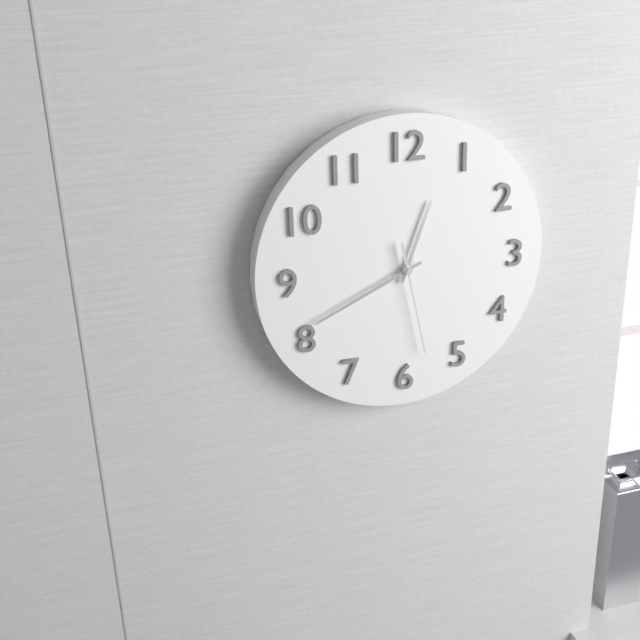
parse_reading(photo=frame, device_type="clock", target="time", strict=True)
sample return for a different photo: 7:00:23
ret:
12:41:28
